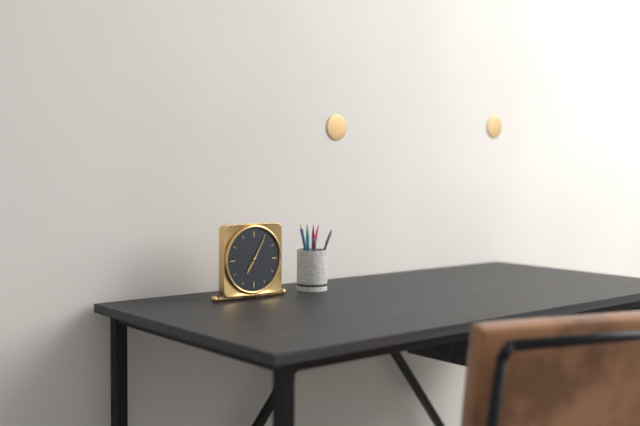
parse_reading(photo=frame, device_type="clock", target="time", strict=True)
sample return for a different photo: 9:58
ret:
7:05
